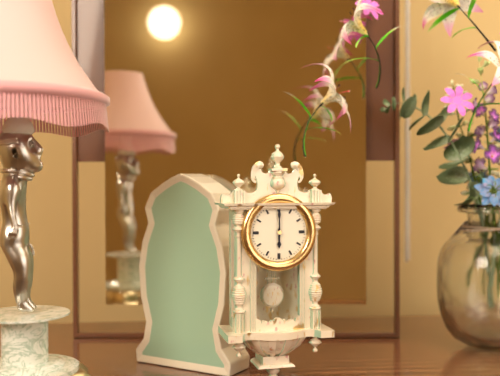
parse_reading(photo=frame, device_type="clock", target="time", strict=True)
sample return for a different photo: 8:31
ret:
6:00
